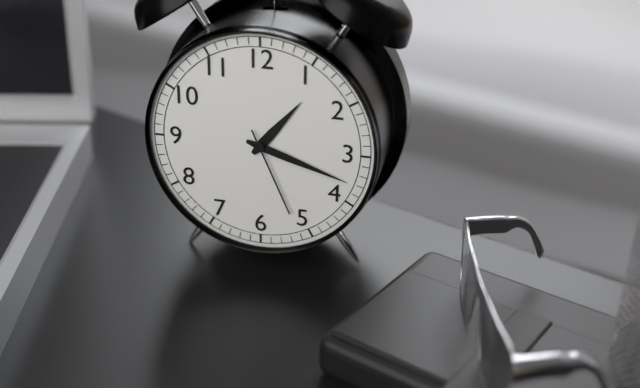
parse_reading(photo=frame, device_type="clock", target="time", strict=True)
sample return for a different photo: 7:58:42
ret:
1:18:26
